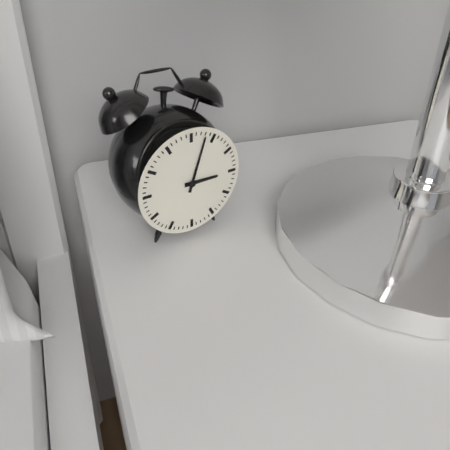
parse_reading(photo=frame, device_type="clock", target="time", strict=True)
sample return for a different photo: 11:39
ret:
3:03
